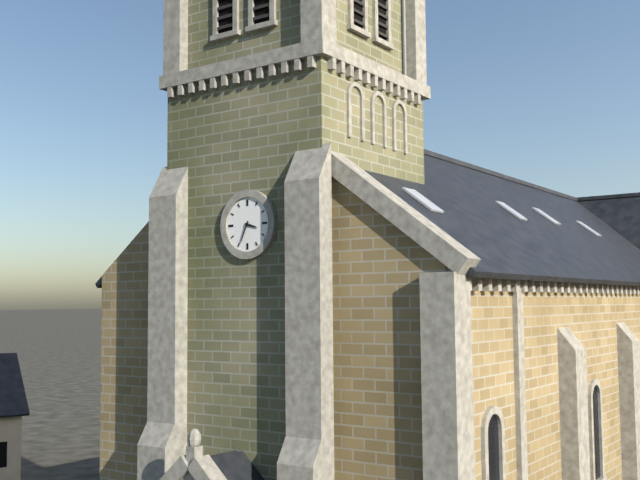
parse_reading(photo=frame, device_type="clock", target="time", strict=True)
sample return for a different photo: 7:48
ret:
3:34
